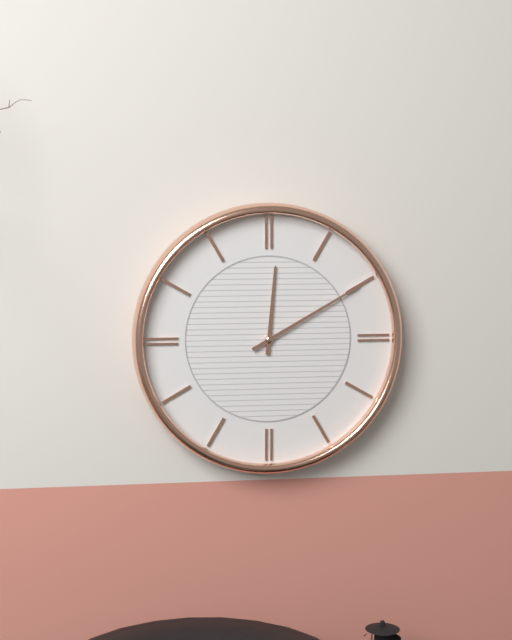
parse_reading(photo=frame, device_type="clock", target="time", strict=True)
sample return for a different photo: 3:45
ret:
12:10
